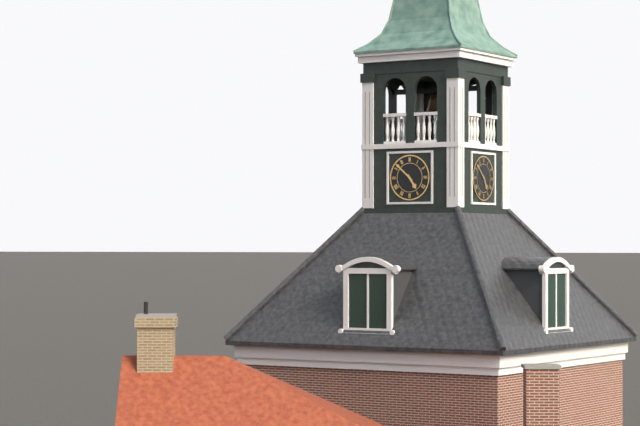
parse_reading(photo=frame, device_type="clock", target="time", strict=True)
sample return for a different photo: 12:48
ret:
4:52
